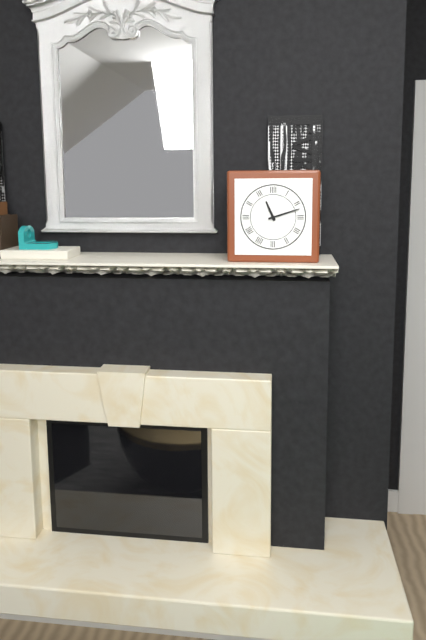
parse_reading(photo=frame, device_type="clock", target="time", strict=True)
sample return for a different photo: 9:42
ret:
11:12
